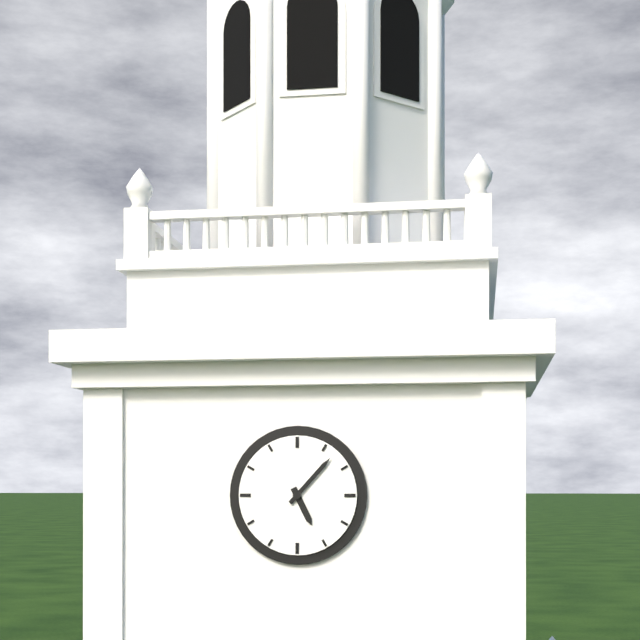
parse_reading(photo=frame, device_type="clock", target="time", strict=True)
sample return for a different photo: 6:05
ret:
5:07
